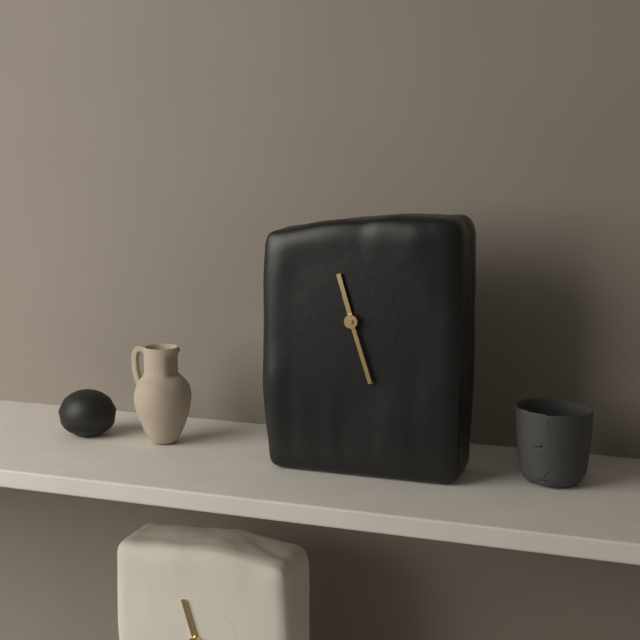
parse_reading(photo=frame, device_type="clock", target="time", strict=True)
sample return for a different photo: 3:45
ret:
11:27
